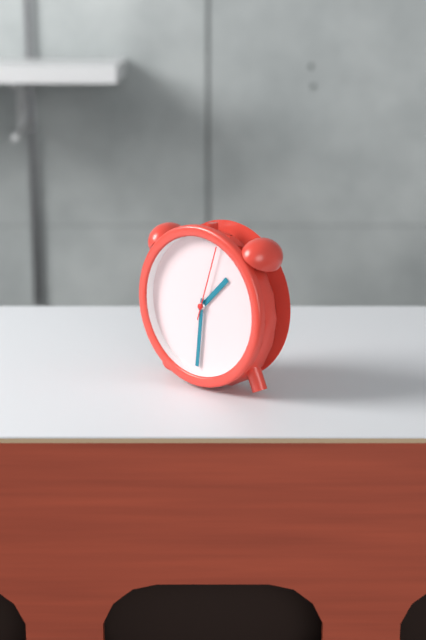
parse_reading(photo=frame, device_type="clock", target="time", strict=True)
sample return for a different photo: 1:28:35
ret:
1:31:03
